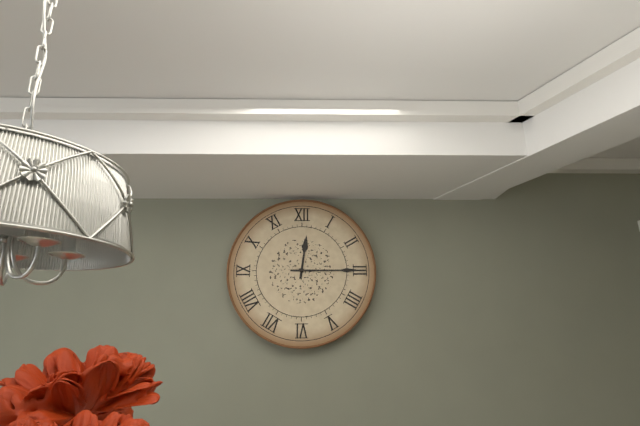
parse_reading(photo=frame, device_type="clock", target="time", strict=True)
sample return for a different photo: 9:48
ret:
12:15
